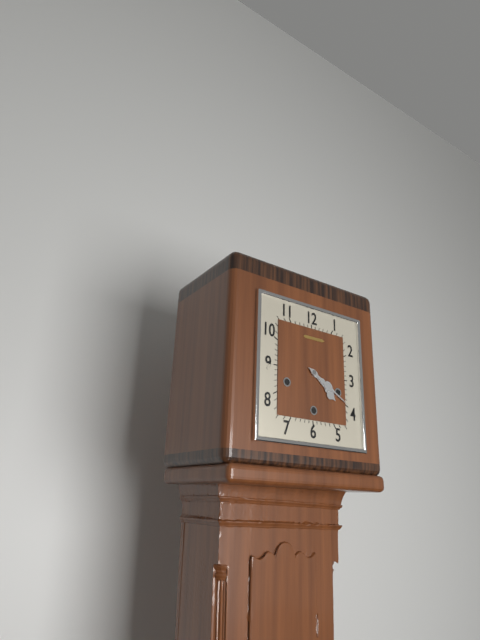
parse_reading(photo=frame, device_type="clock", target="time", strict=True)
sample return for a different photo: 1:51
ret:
4:20
